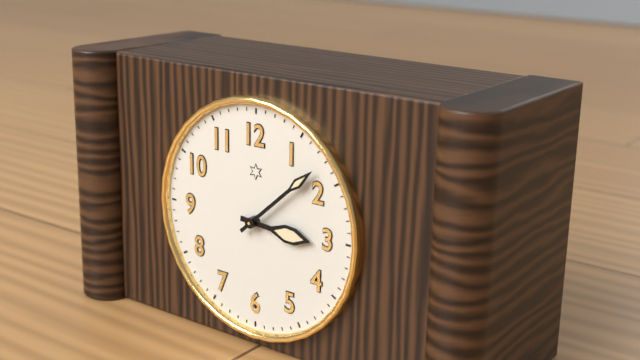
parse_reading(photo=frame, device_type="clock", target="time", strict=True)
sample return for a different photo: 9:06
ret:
3:08
